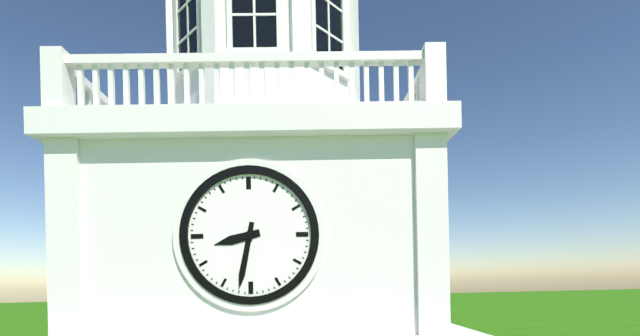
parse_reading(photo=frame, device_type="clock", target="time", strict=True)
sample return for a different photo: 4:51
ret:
8:32
